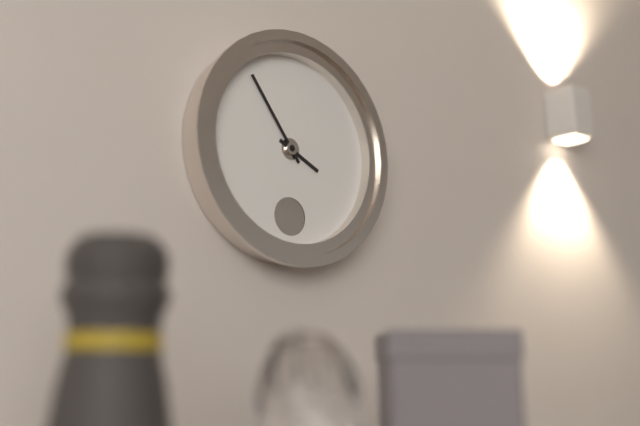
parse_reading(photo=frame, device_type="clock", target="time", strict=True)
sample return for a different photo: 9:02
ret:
3:54
